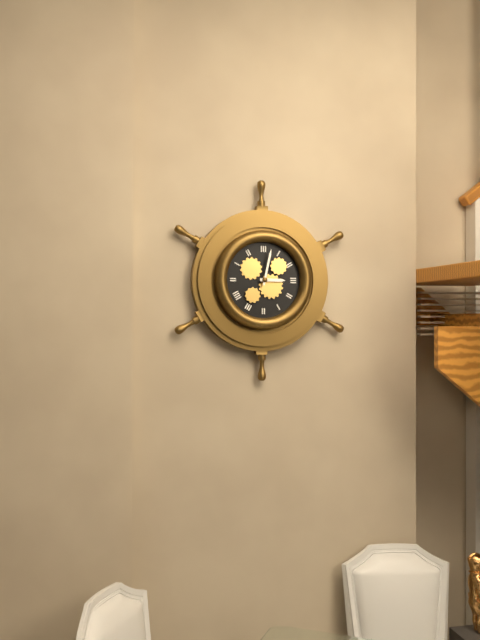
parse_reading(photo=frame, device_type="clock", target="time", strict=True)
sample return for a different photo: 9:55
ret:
3:02
